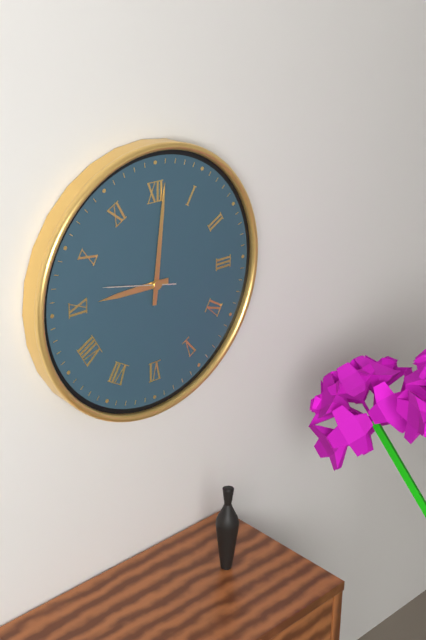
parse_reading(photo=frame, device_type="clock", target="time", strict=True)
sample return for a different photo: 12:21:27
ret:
9:01:47
